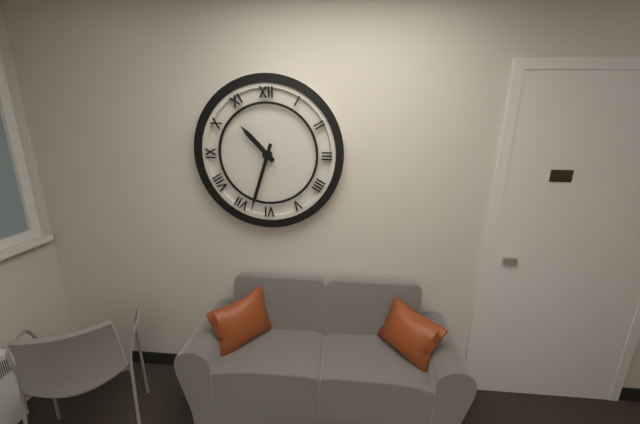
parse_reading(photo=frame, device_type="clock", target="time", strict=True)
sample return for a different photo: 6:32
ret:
10:33
